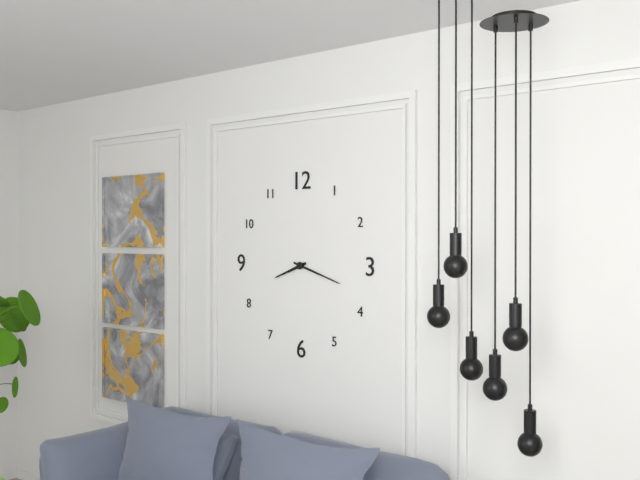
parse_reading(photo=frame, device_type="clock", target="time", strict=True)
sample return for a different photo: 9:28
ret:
8:18
